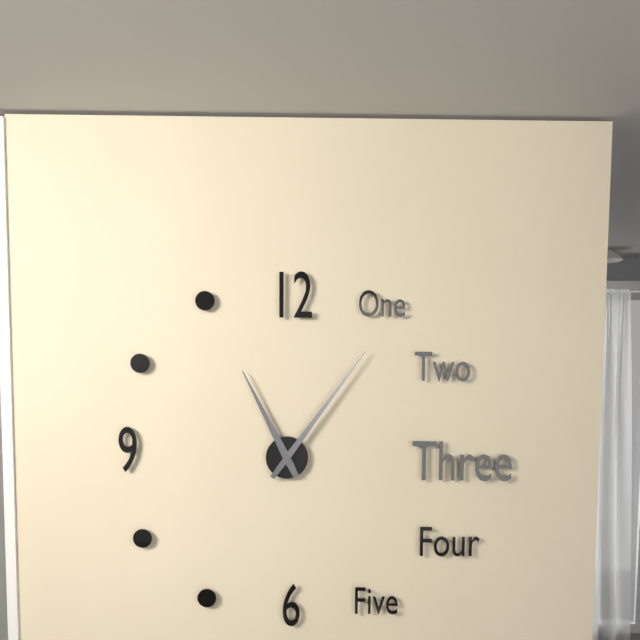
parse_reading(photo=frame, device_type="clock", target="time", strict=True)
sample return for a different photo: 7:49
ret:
11:06
